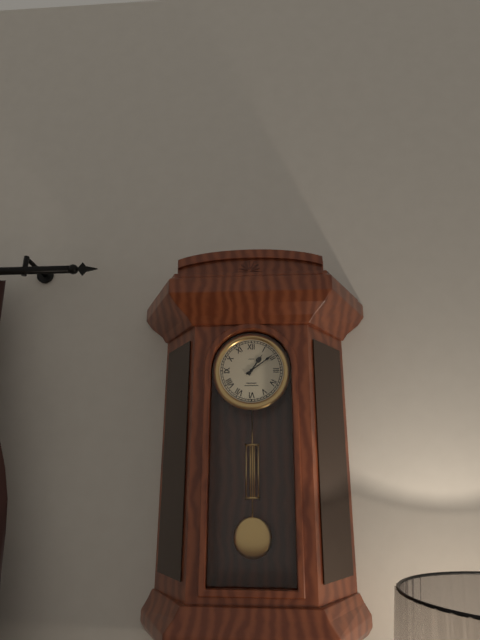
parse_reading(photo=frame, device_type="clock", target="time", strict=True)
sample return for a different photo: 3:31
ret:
1:09
